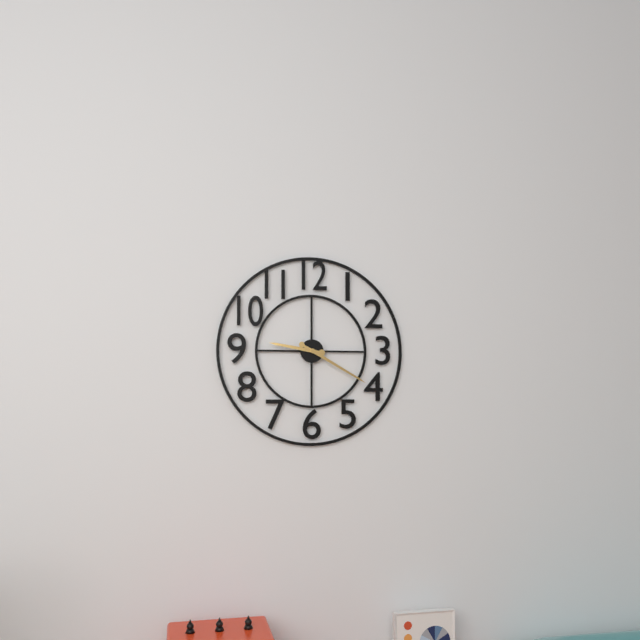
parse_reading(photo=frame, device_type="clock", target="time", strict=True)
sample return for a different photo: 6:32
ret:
9:20
